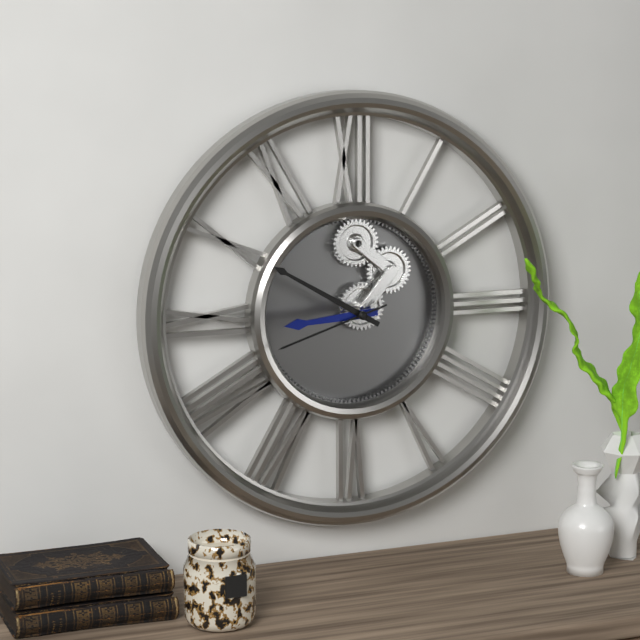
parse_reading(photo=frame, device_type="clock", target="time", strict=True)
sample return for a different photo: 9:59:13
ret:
8:50:42
